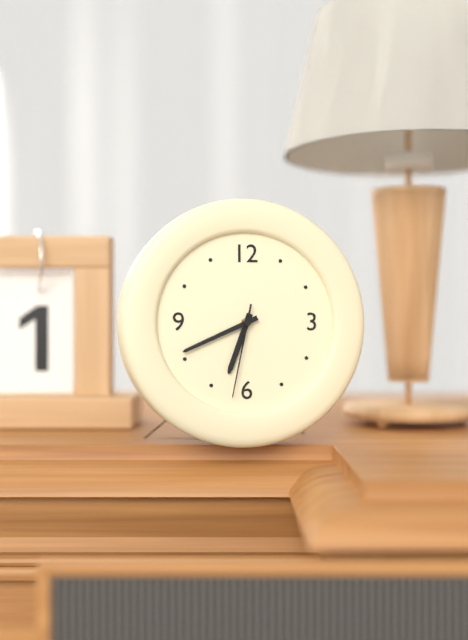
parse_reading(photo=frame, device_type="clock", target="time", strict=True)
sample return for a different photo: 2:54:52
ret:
6:41:32
